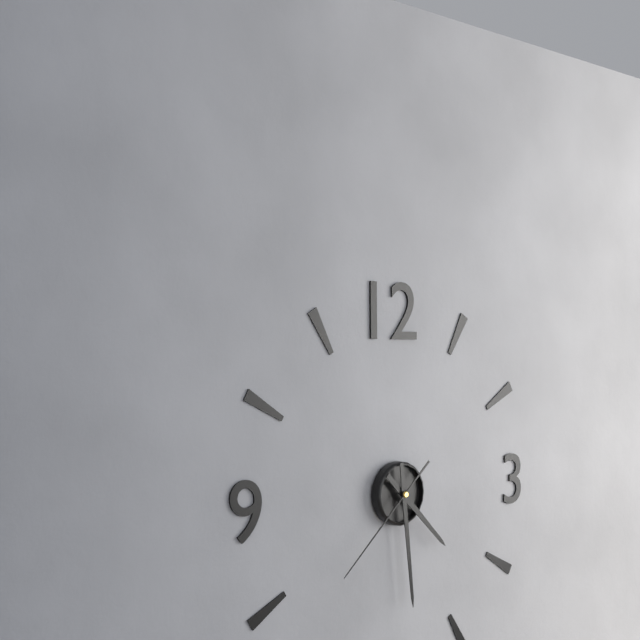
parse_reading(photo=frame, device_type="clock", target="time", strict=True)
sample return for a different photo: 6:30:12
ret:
4:29:38
